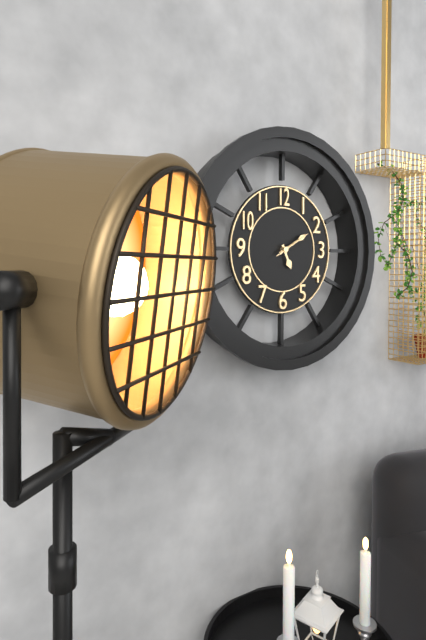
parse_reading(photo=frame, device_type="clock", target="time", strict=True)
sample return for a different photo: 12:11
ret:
5:10
